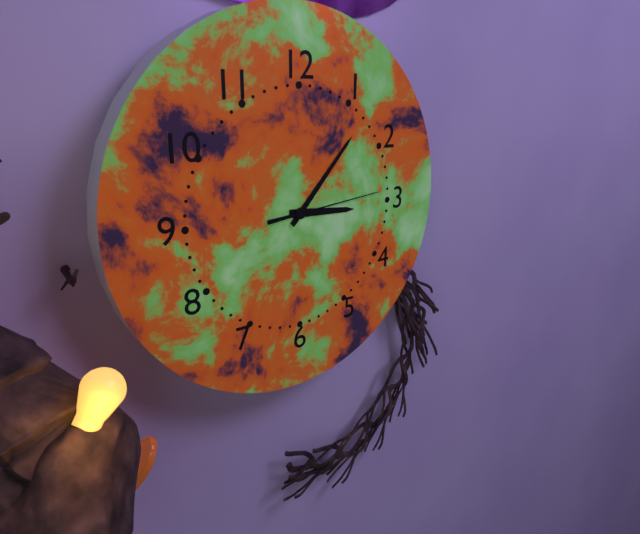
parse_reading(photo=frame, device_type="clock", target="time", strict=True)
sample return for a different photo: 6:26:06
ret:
3:07:14
